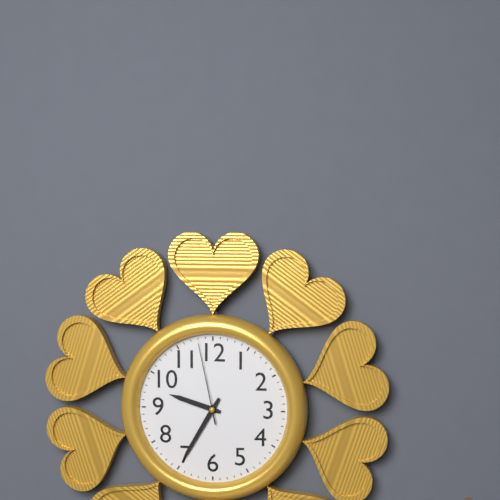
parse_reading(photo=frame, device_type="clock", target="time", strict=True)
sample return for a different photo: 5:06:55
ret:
9:35:58
